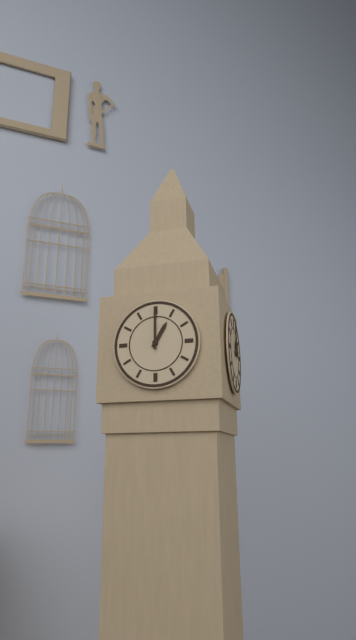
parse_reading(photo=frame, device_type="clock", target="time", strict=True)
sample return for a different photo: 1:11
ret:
1:00
